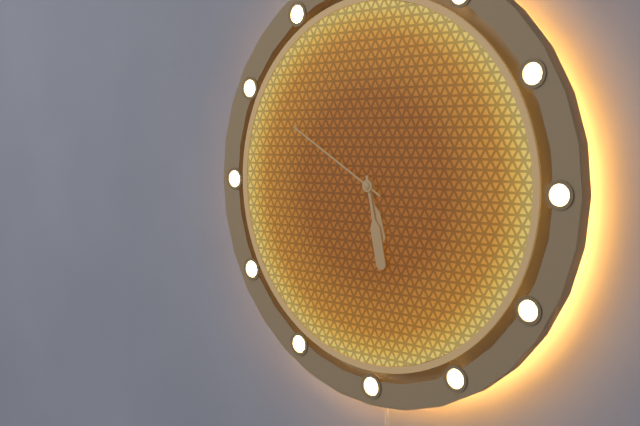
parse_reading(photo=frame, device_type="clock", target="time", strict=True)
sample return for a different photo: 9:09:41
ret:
5:28:50
